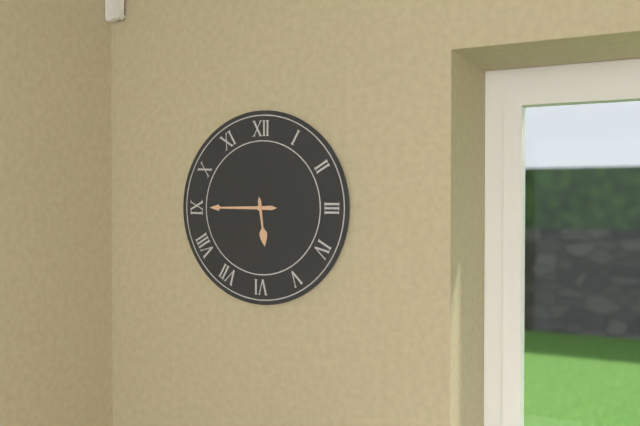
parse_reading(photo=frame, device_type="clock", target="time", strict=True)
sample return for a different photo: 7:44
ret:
5:45
